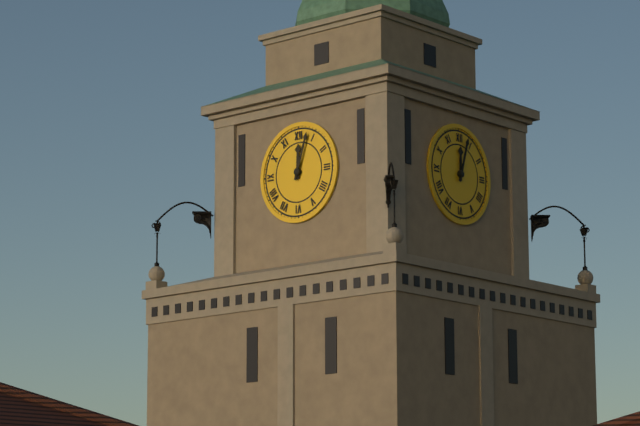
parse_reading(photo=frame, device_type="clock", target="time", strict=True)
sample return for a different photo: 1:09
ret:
12:03
